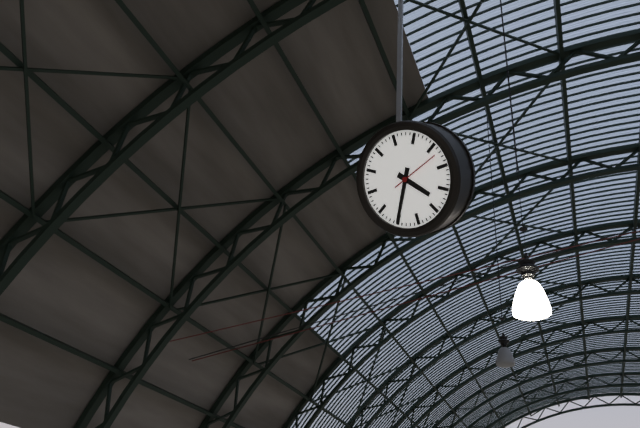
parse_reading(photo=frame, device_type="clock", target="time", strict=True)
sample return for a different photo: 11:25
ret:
4:35
